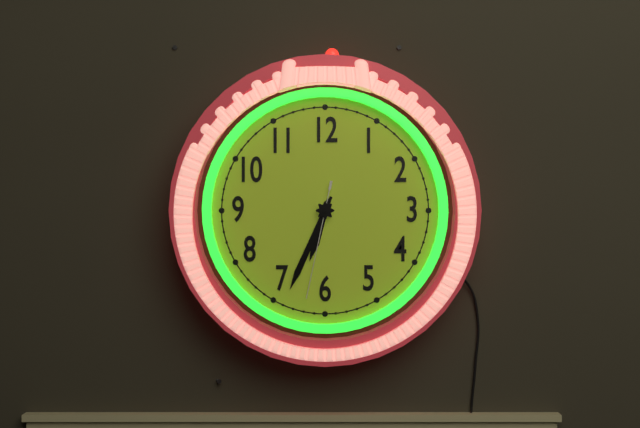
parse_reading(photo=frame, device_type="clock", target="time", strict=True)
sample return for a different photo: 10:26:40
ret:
6:34:32
